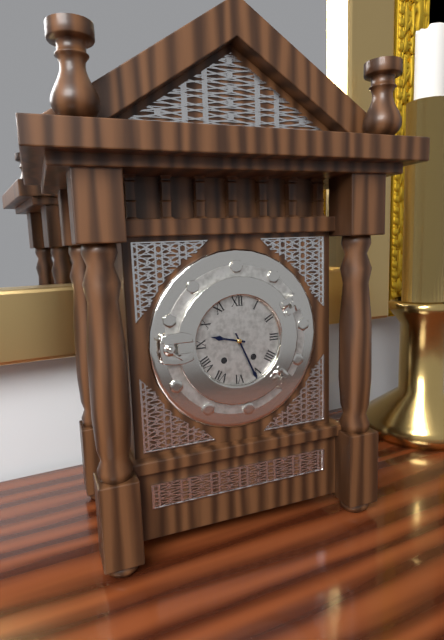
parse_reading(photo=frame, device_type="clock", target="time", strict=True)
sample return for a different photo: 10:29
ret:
9:26
